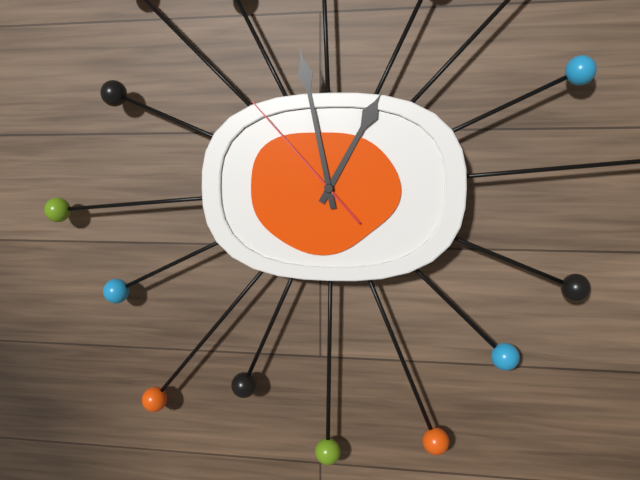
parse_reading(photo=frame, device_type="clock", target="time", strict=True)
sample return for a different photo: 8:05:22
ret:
12:58:53
